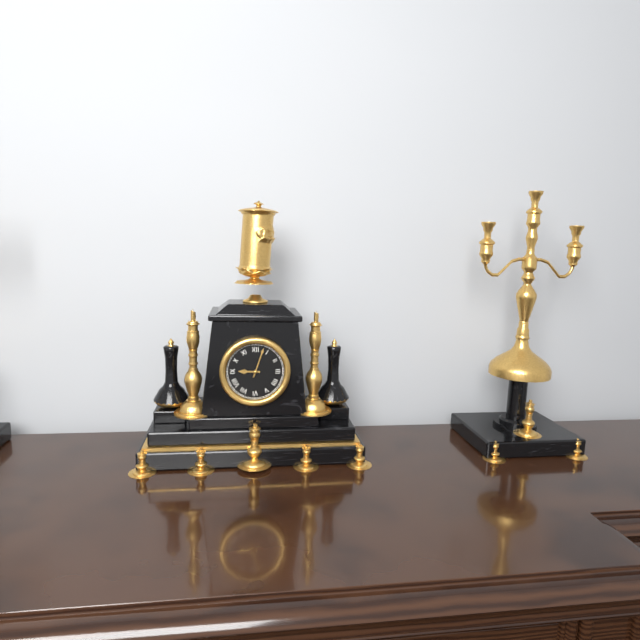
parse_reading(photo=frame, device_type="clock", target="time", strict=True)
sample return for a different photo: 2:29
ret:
9:03
